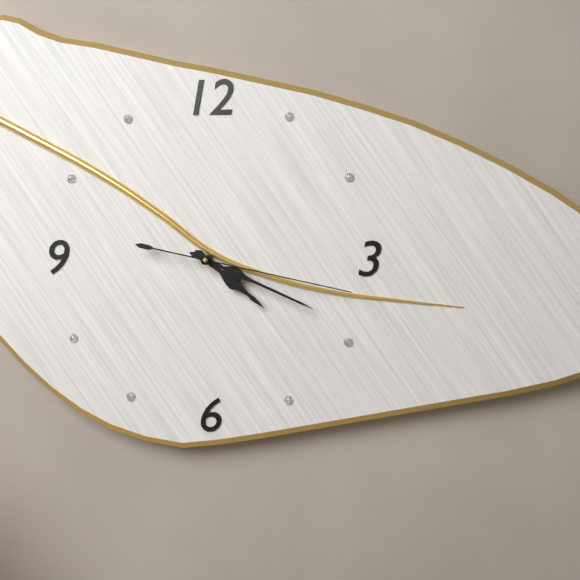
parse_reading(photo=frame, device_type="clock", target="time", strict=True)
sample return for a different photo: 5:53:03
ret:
4:19:17
